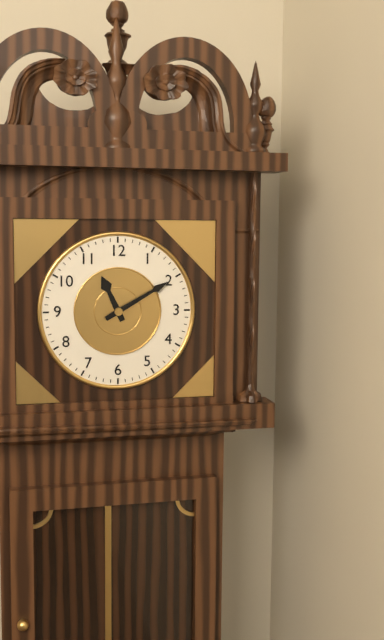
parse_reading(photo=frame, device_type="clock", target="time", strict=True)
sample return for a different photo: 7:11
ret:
11:10
